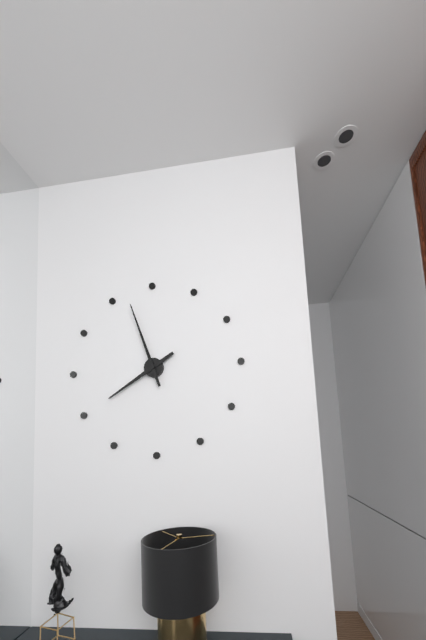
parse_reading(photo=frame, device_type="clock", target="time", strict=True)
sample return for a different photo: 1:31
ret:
7:57
